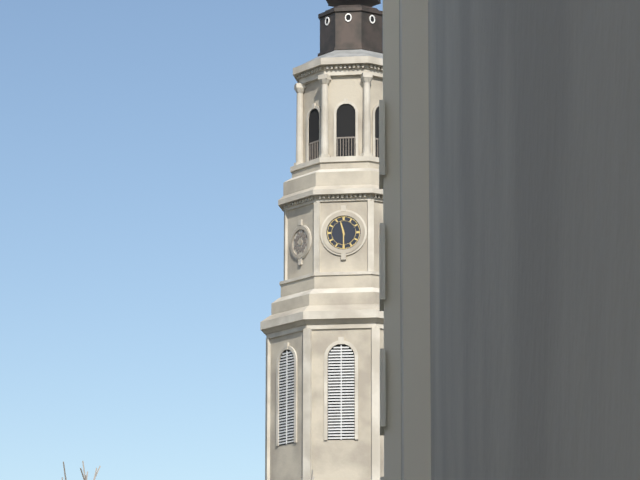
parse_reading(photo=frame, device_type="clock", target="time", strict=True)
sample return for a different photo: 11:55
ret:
11:30
